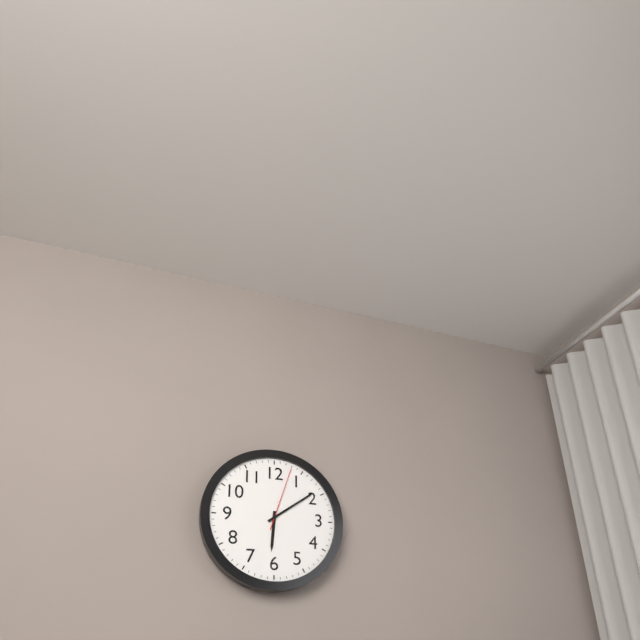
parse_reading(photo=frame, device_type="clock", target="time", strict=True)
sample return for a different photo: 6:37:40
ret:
6:09:03
